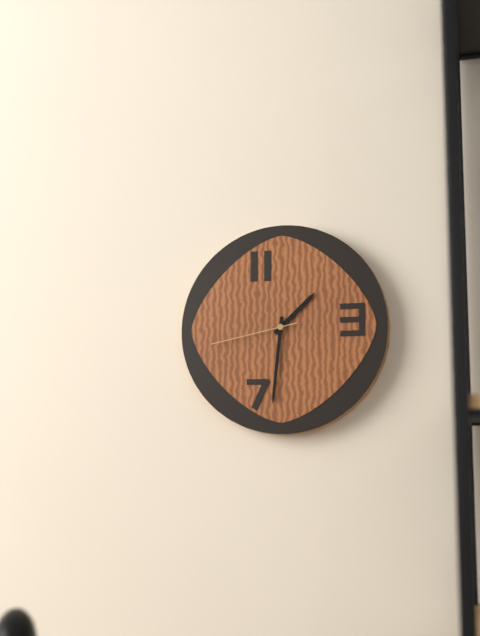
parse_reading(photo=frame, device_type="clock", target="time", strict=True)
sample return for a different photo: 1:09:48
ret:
1:31:43
